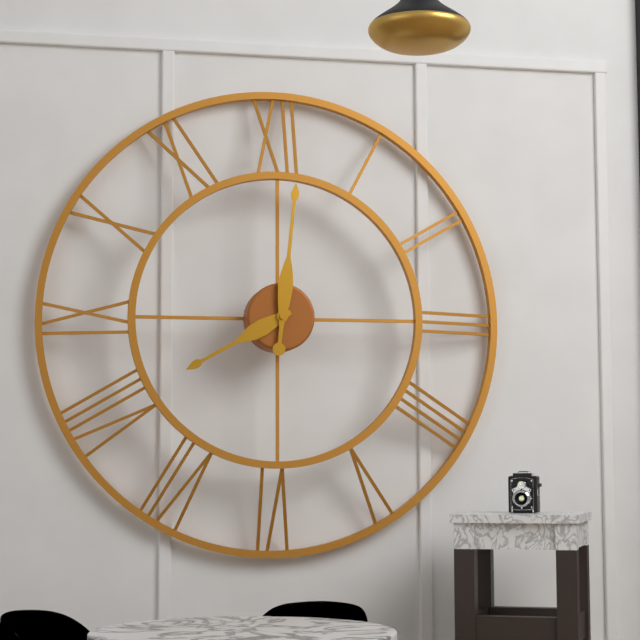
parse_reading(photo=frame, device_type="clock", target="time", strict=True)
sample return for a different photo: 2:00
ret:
8:01
